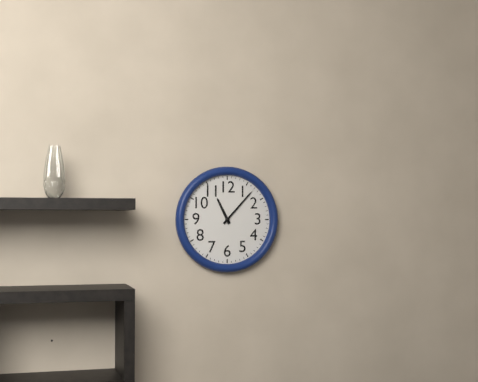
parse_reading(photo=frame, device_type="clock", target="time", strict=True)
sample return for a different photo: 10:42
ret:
11:07
